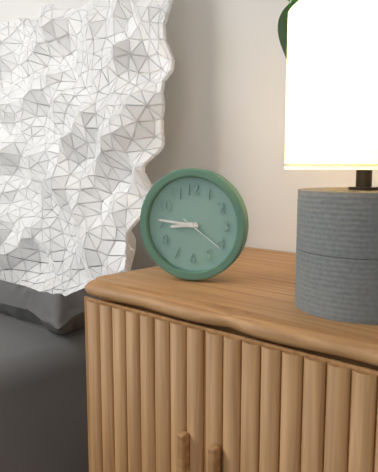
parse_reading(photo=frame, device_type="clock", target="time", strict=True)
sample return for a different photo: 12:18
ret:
8:46
